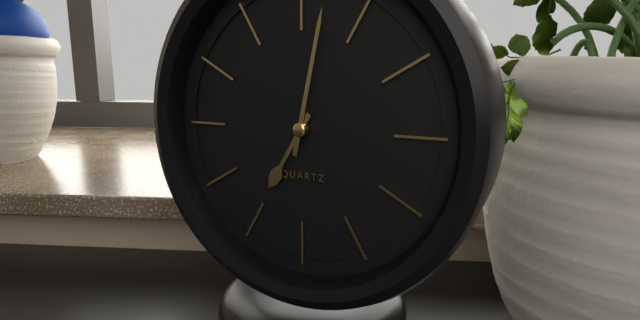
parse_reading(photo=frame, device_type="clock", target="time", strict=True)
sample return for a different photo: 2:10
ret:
7:02
